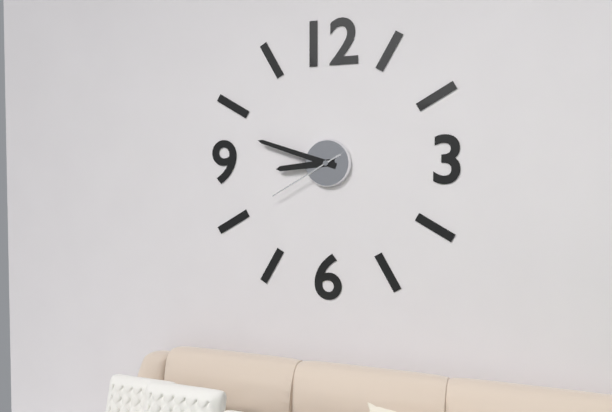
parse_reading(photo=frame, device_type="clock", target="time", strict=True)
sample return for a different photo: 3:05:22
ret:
8:48:40
